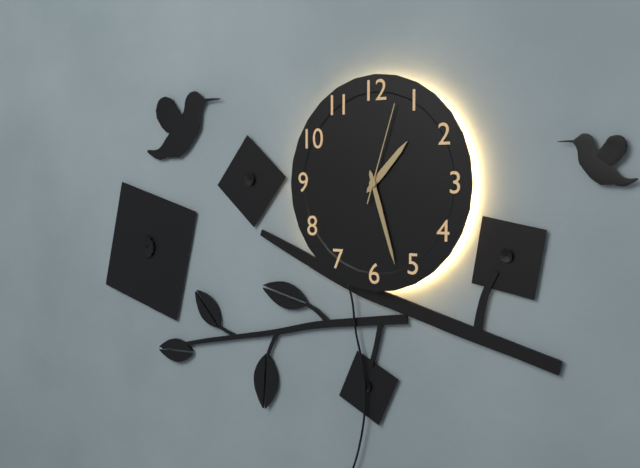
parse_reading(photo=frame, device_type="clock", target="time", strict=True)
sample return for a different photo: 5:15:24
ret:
1:27:03
